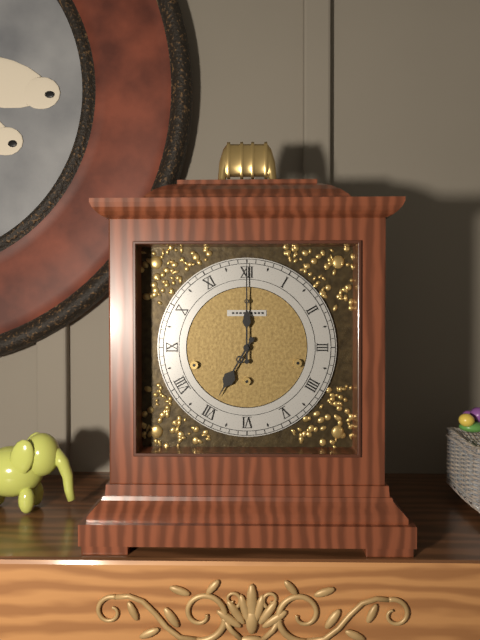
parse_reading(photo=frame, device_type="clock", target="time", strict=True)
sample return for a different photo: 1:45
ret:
7:00
